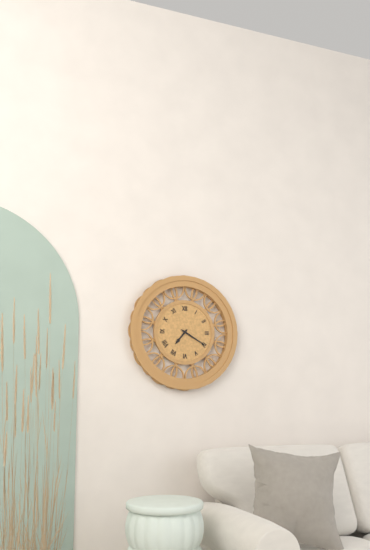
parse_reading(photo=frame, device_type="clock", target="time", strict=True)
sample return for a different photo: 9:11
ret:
7:20
